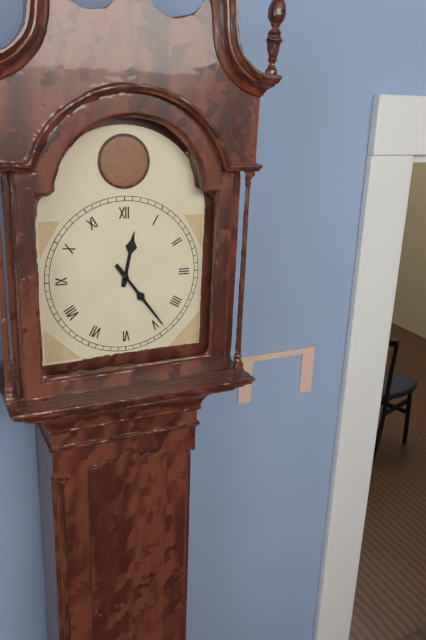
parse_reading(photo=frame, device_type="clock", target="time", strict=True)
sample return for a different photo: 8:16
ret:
12:24
